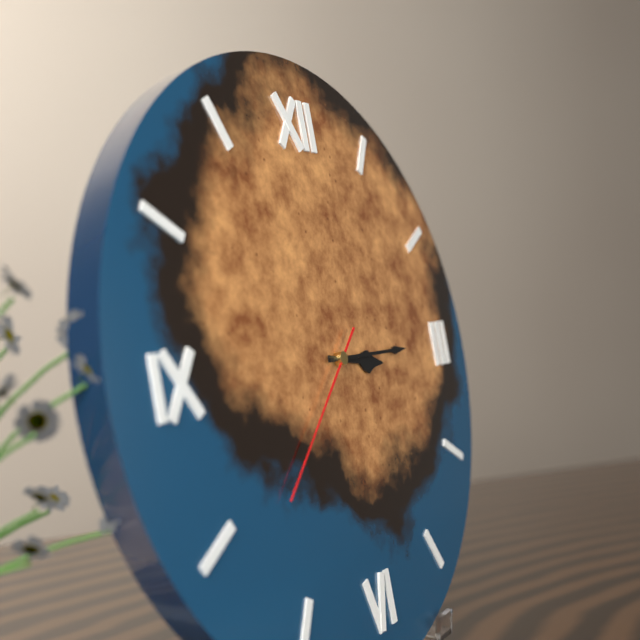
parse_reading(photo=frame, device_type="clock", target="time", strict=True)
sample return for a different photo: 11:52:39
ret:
3:15:38
